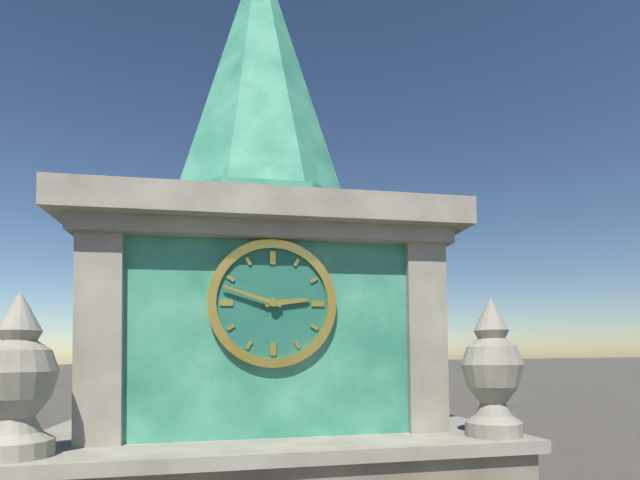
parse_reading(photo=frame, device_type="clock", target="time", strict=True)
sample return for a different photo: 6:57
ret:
2:48
